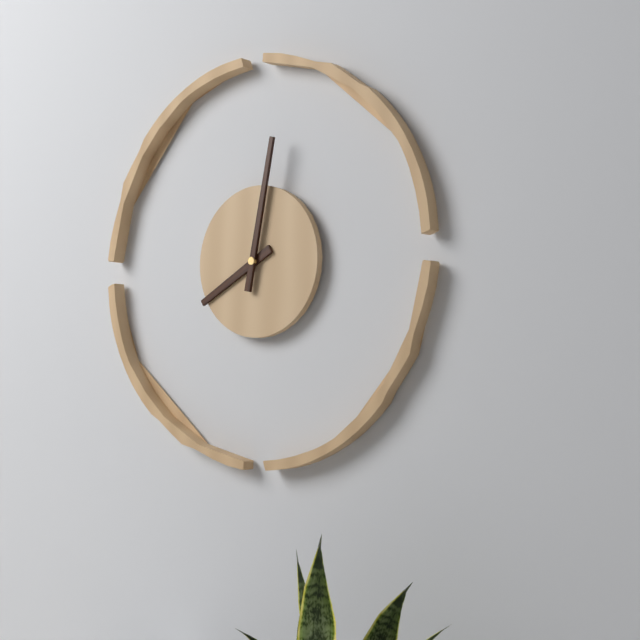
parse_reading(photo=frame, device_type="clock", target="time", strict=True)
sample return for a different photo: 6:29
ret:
8:02
